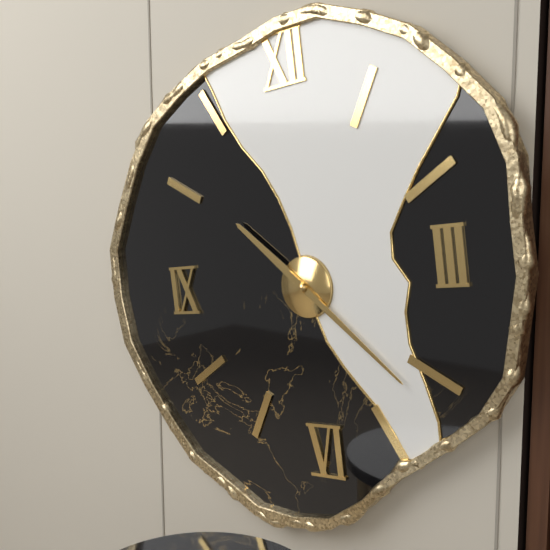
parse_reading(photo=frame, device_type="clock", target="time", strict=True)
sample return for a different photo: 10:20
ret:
10:22
